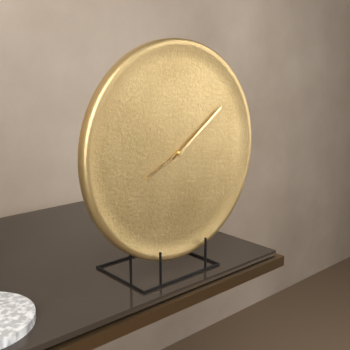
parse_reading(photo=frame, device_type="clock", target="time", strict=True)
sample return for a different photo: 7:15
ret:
8:09
